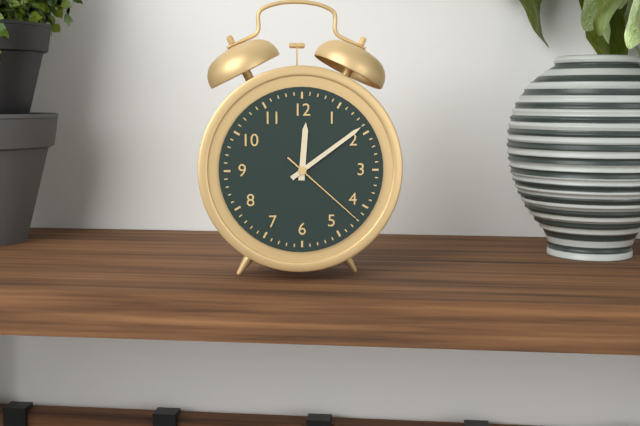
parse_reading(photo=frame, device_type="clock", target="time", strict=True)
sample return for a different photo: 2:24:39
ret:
12:09:22
